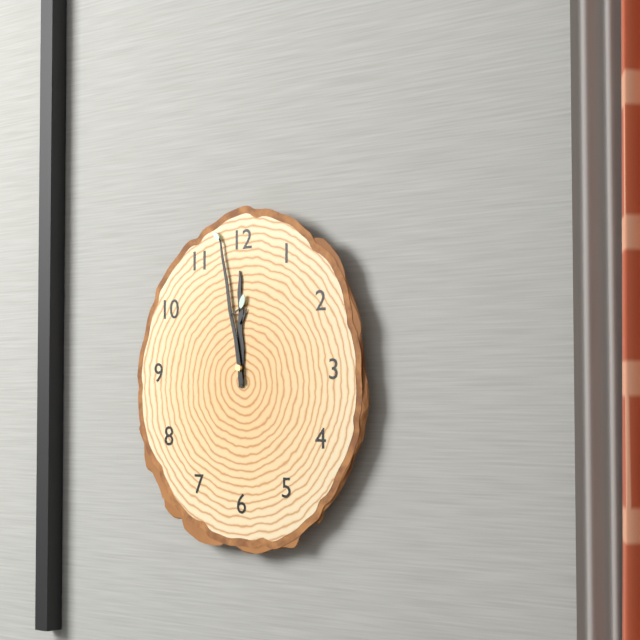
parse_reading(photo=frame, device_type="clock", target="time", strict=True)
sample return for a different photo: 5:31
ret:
11:58
